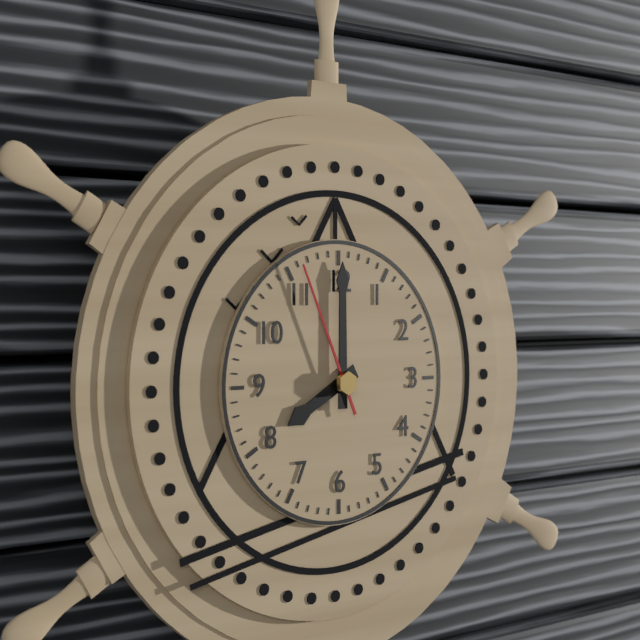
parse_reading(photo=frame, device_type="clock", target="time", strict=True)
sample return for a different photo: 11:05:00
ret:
8:00:56
